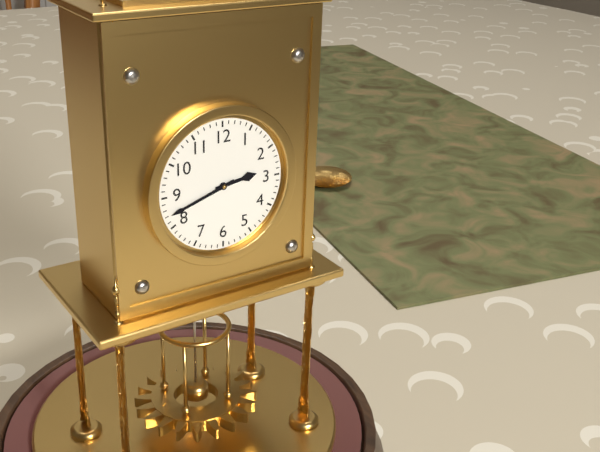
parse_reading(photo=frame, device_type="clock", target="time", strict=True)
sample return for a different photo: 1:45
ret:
2:42
